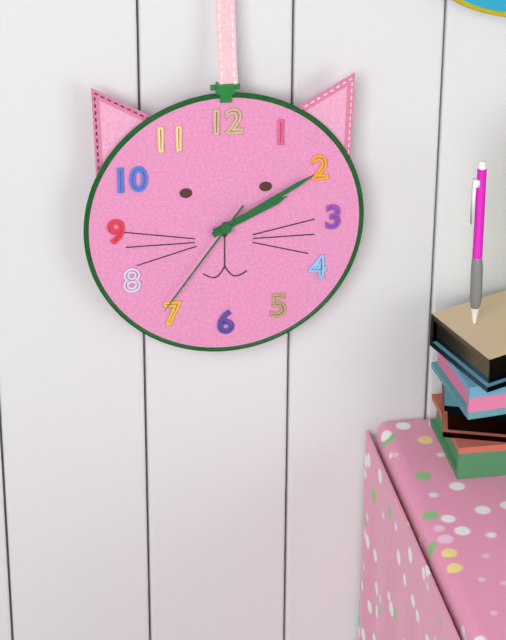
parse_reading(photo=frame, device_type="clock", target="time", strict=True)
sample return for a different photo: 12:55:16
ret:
2:10:36
